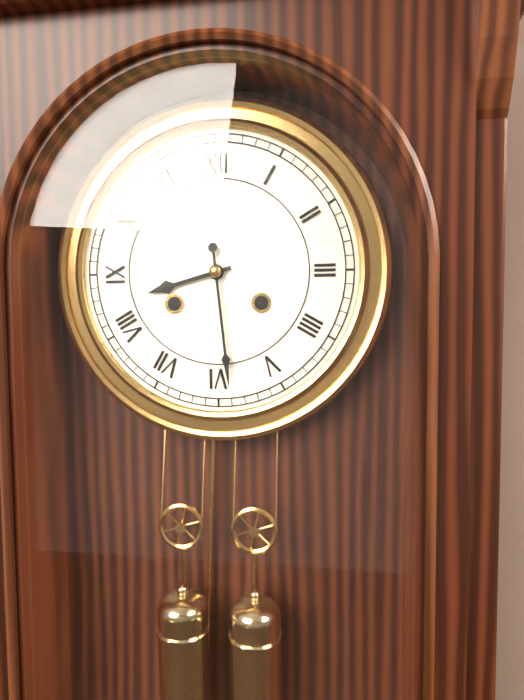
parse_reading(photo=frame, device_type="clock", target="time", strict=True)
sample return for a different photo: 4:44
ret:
8:29
